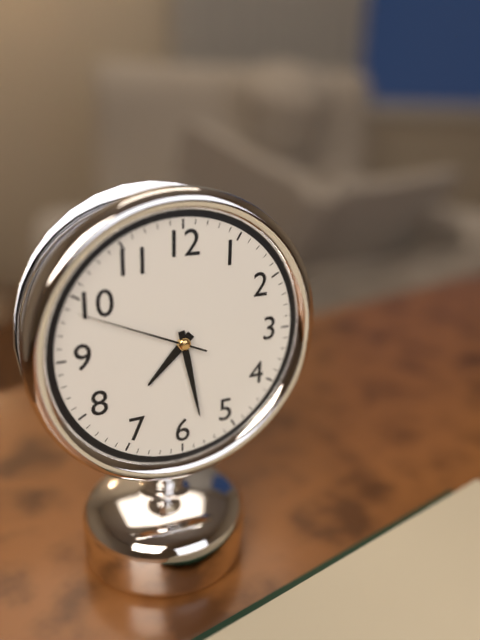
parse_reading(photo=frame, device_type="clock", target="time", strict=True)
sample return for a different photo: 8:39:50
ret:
7:28:49
